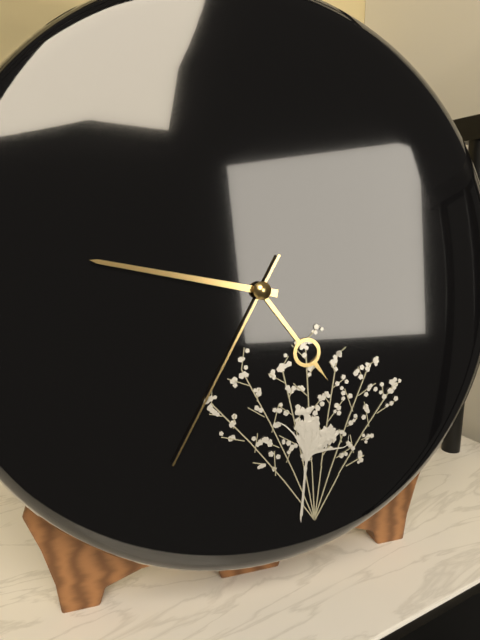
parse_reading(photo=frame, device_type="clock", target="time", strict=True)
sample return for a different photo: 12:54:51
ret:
4:47:35
